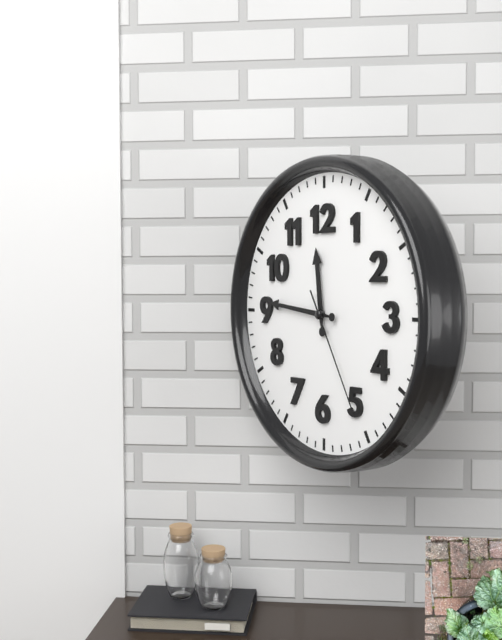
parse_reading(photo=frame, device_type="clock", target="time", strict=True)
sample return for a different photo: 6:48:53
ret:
11:46:25
